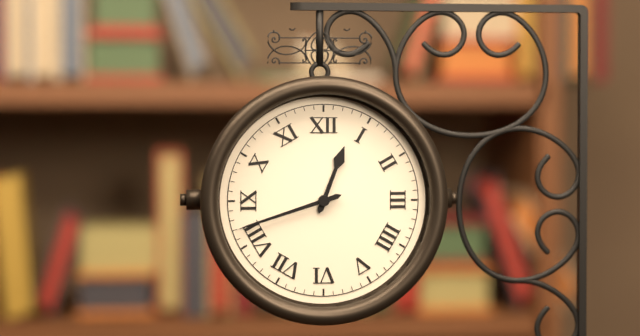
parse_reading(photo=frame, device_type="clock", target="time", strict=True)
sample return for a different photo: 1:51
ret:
12:42
